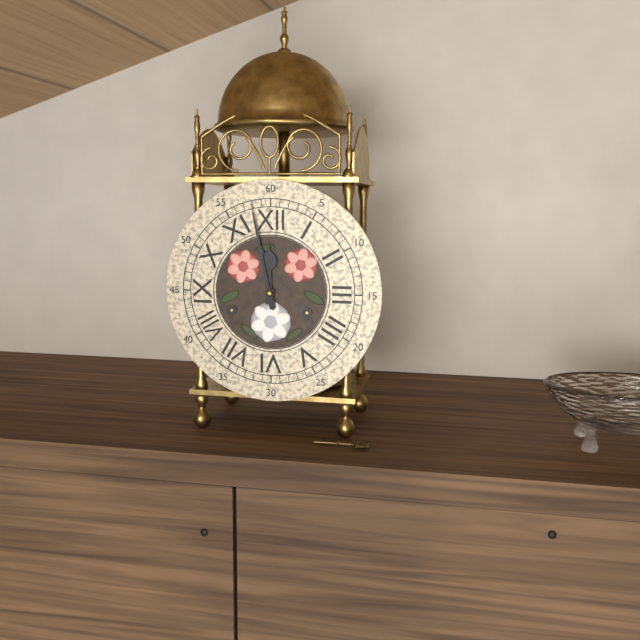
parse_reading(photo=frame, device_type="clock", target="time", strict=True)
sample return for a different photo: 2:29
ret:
11:58
